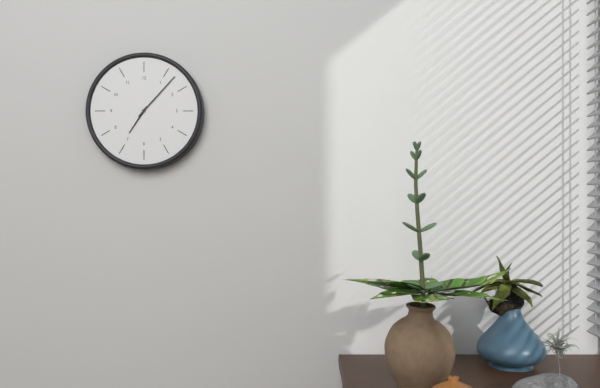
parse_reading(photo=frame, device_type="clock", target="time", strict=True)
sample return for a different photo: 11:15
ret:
7:07
